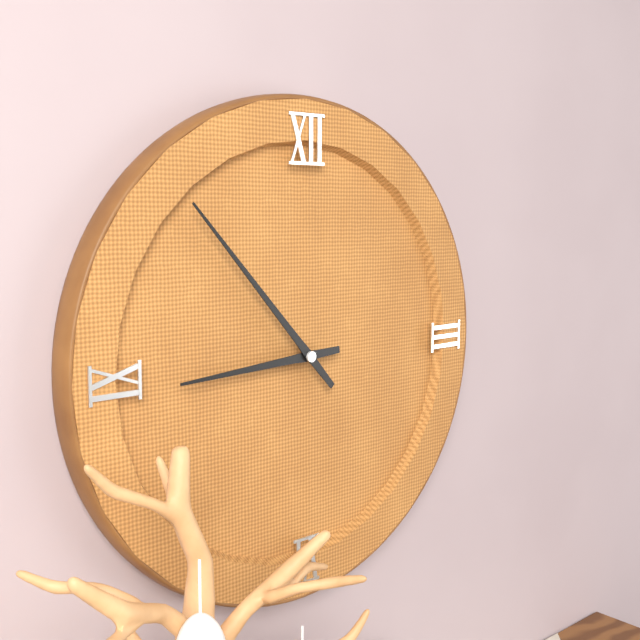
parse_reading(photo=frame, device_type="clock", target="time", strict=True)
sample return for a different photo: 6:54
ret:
8:53
